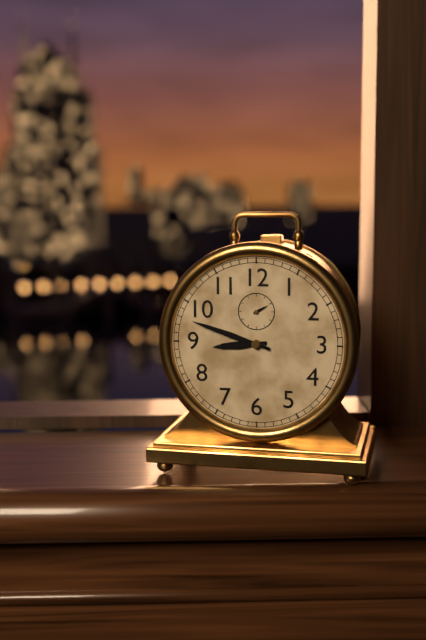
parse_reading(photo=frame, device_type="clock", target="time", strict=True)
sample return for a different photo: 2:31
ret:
8:48
